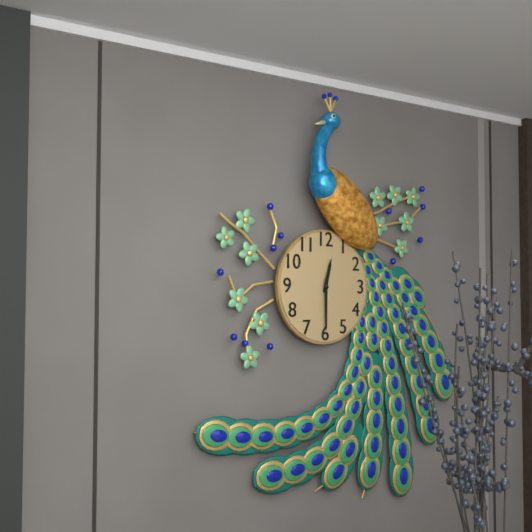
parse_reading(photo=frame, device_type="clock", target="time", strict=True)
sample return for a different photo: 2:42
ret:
12:30
